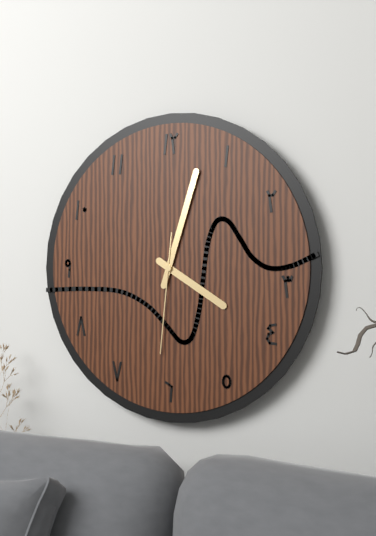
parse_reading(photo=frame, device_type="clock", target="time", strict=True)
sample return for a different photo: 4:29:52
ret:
4:03:31
